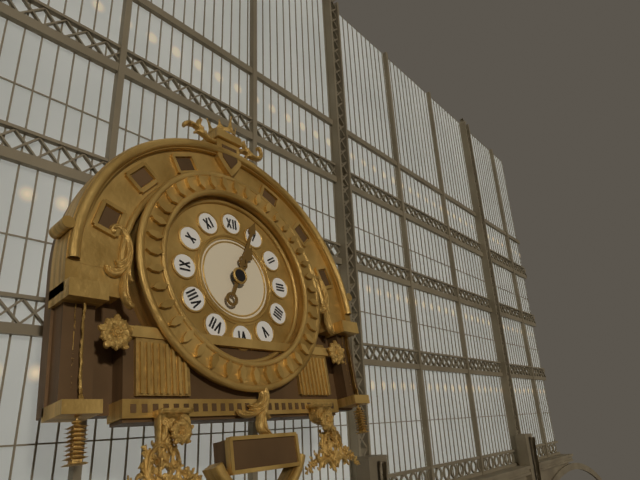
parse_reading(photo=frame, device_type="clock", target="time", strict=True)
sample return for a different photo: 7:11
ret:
1:04
